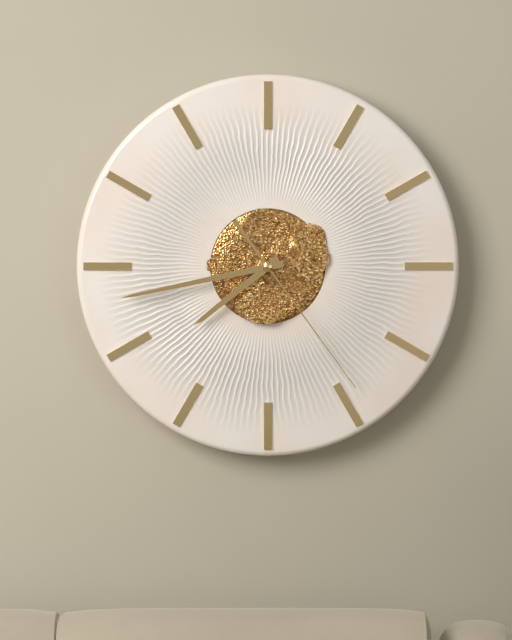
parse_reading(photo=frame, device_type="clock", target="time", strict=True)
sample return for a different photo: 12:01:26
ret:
7:43:24
